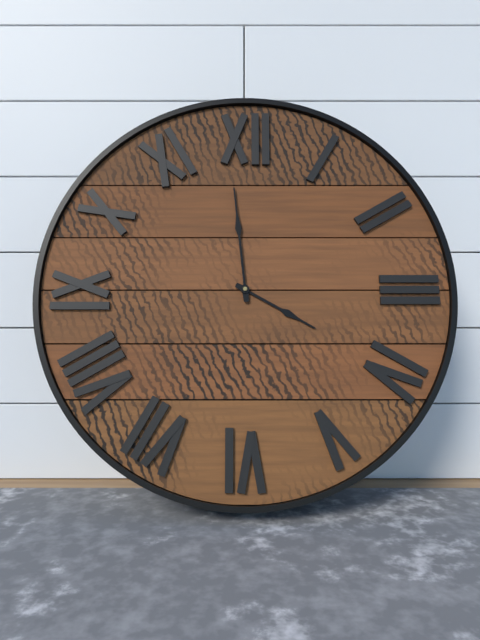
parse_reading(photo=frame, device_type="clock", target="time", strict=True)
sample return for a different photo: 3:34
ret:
3:59
